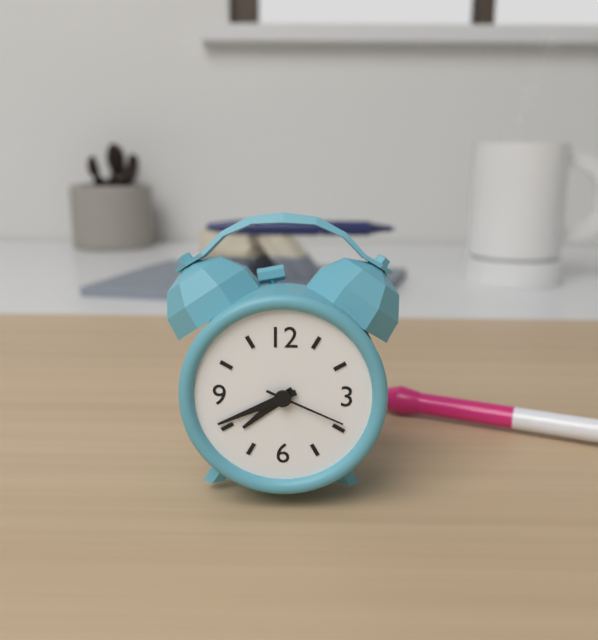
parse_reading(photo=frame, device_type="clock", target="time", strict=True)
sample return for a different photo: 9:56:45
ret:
7:41:19
